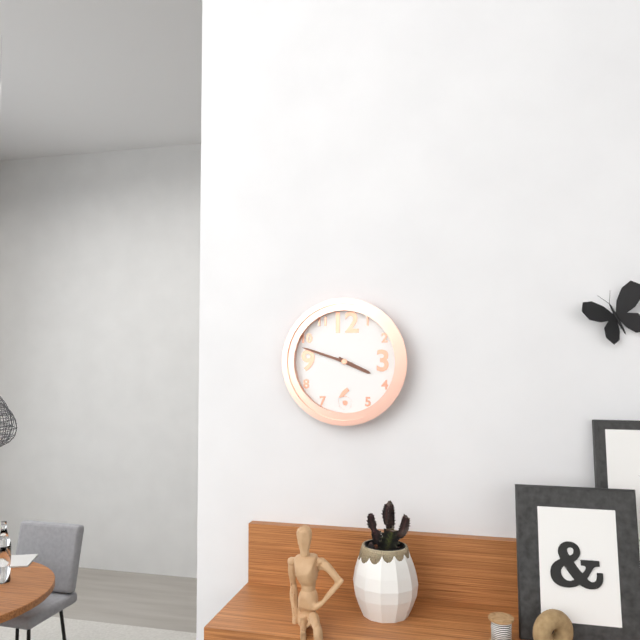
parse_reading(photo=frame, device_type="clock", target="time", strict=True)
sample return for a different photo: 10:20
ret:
3:48
